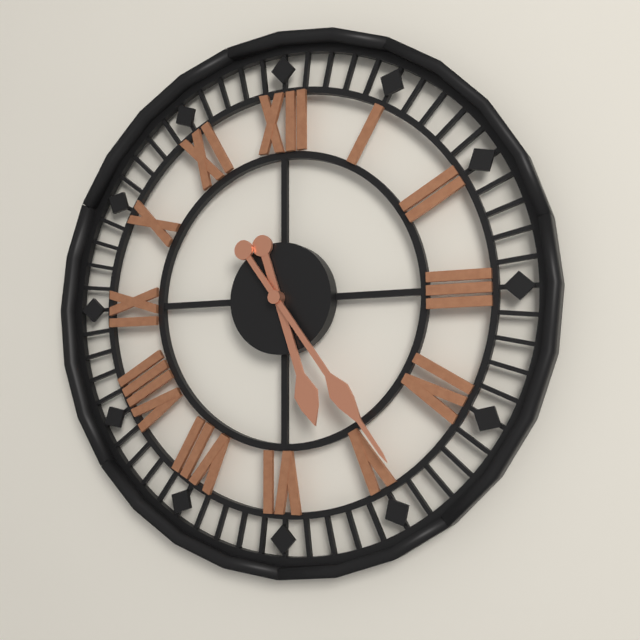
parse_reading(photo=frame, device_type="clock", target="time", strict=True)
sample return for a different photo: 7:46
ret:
5:24
